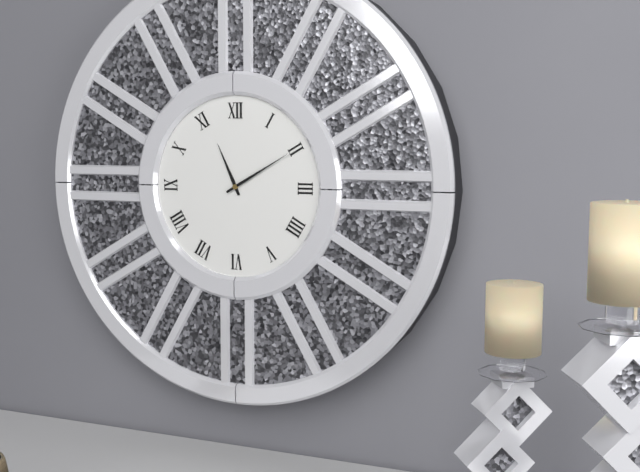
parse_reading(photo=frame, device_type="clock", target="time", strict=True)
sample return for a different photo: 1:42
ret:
11:10
